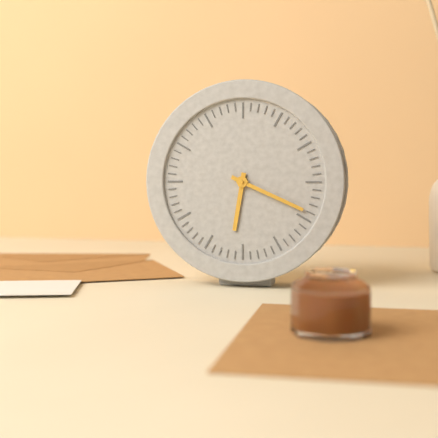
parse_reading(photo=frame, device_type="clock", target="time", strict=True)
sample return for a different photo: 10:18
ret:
6:19
